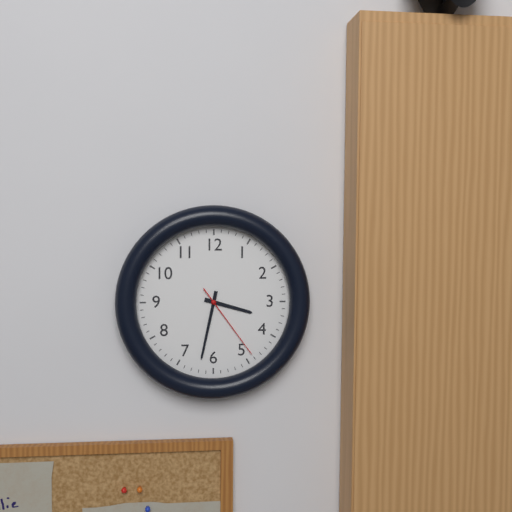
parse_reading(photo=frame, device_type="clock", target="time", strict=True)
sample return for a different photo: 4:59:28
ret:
3:32:24
